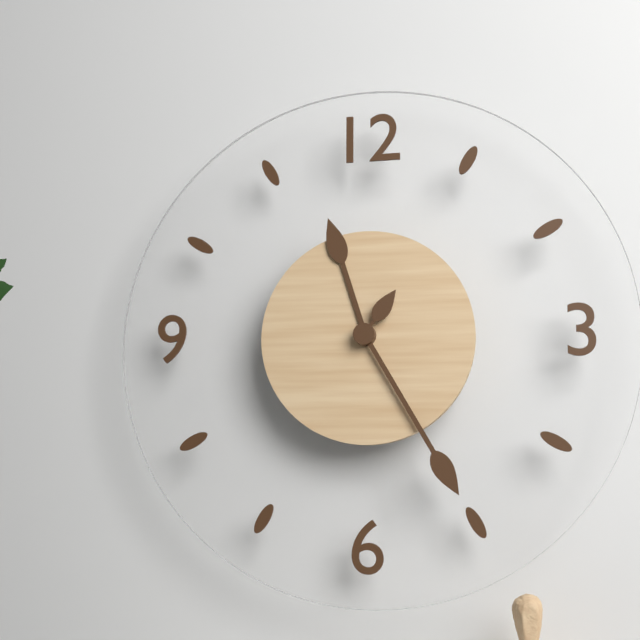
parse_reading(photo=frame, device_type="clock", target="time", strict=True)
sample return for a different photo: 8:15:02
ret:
11:25:06
